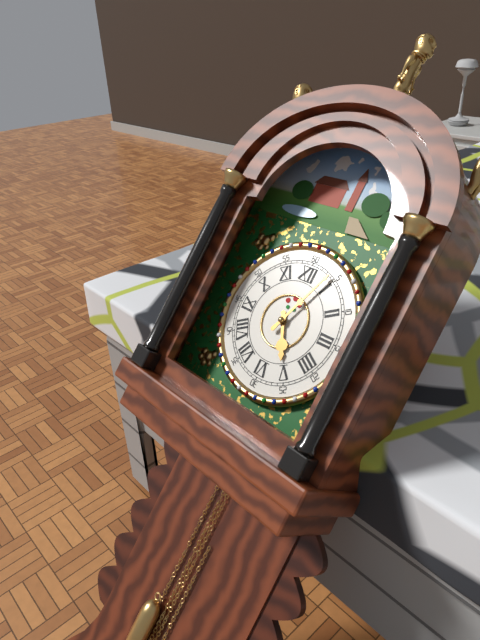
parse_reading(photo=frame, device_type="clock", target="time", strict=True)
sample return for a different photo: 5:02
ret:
5:04
